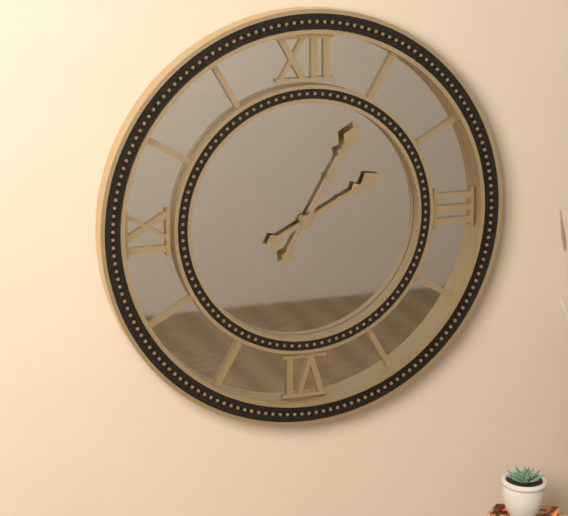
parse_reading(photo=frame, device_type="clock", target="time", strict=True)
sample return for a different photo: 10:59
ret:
2:05
